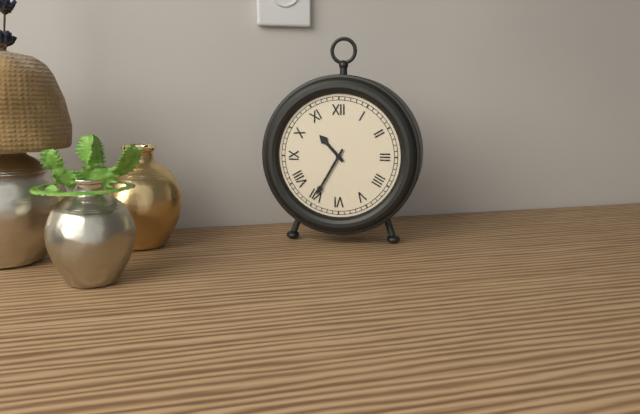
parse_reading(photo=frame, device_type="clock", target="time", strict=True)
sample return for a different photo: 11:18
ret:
10:35
